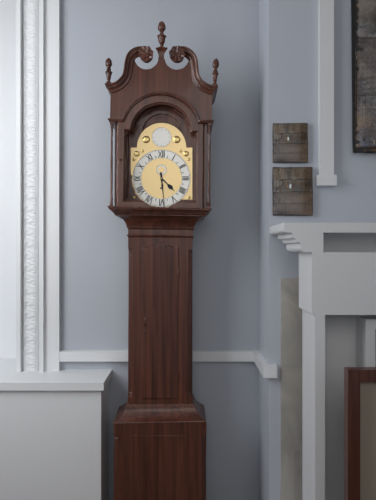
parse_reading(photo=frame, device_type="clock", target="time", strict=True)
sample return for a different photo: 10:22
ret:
4:29
